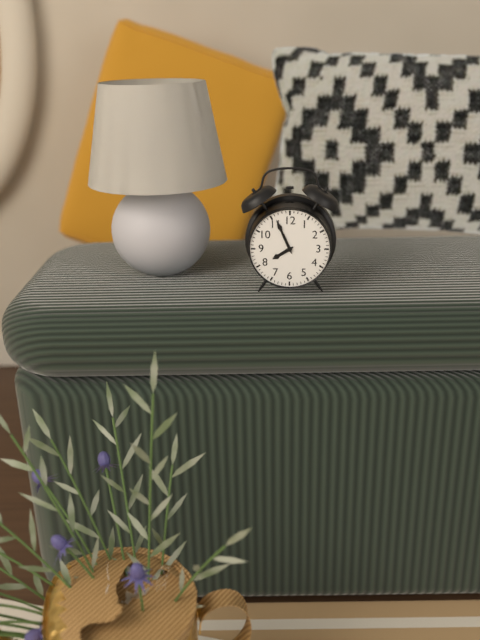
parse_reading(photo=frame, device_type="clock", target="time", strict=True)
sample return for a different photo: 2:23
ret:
7:56
